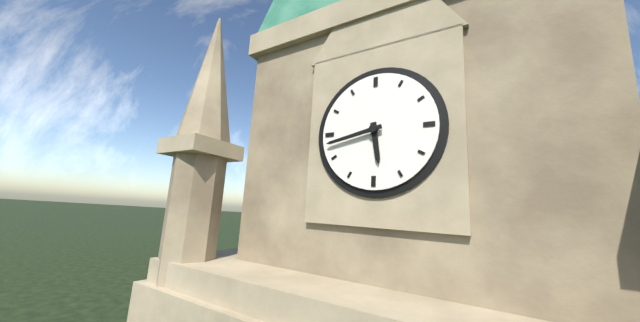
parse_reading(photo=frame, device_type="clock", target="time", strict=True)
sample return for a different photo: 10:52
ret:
5:43
